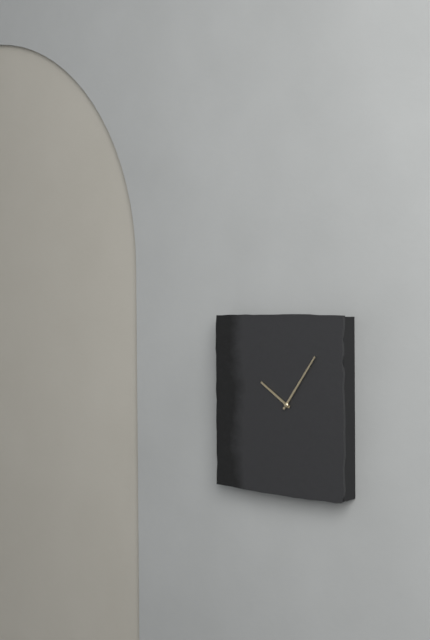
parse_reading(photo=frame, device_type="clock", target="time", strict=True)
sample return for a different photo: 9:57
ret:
10:06
